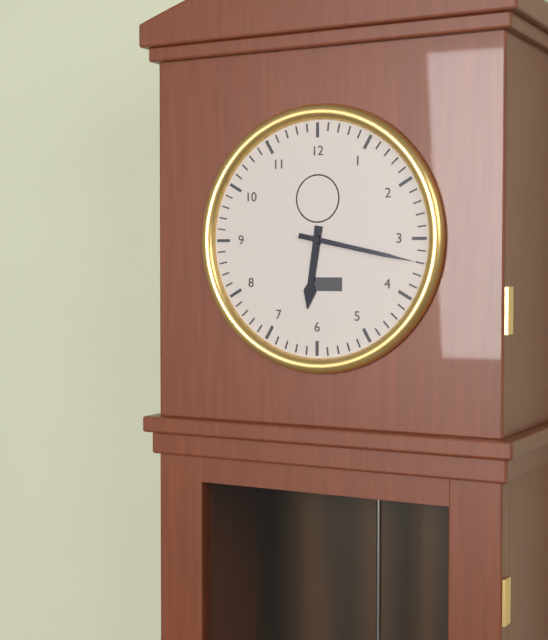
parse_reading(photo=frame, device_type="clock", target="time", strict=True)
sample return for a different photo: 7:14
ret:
6:17
